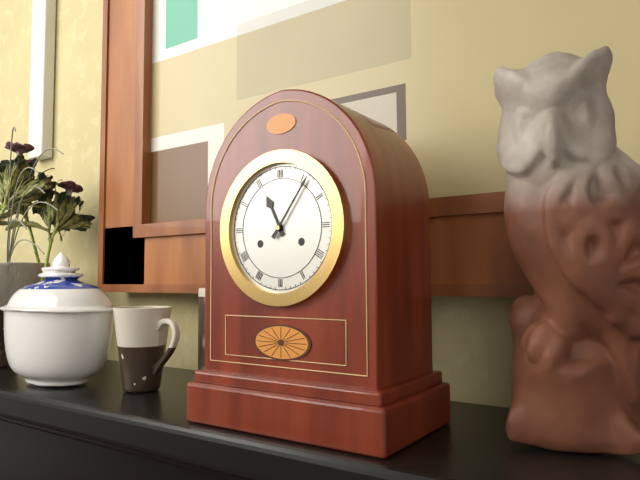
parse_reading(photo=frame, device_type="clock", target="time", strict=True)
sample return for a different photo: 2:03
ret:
11:06
